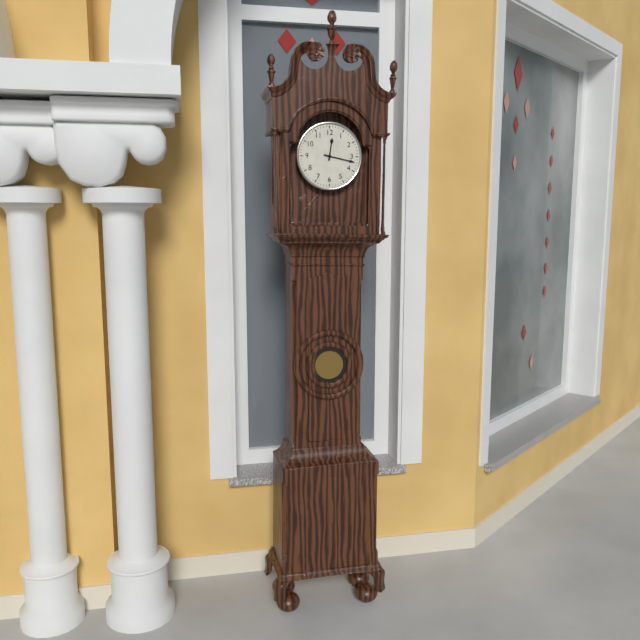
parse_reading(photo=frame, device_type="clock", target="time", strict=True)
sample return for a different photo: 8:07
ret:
12:17
